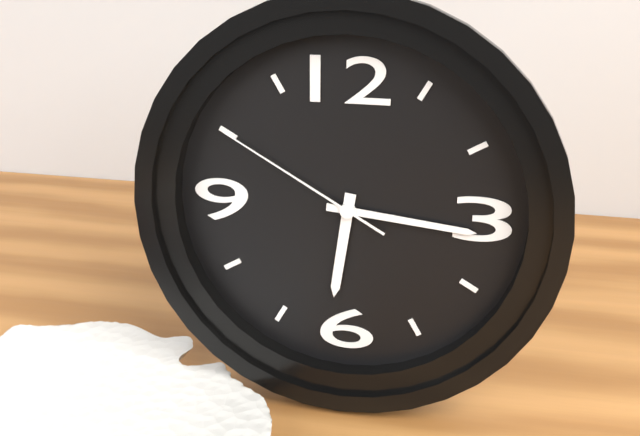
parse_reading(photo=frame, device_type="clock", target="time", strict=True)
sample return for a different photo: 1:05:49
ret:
6:16:50
